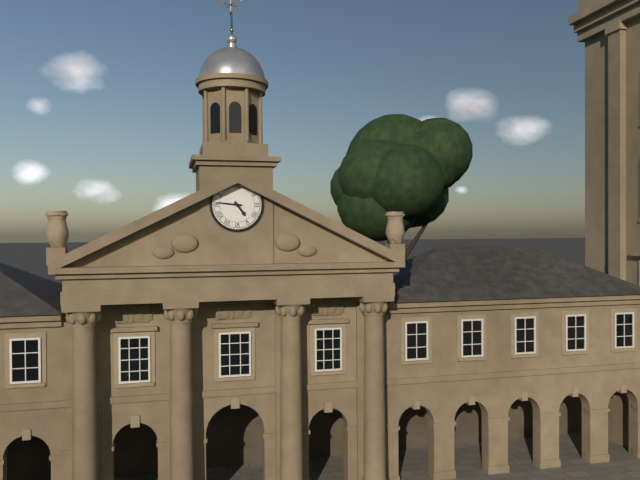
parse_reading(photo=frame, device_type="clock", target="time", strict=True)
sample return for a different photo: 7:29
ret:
4:46
